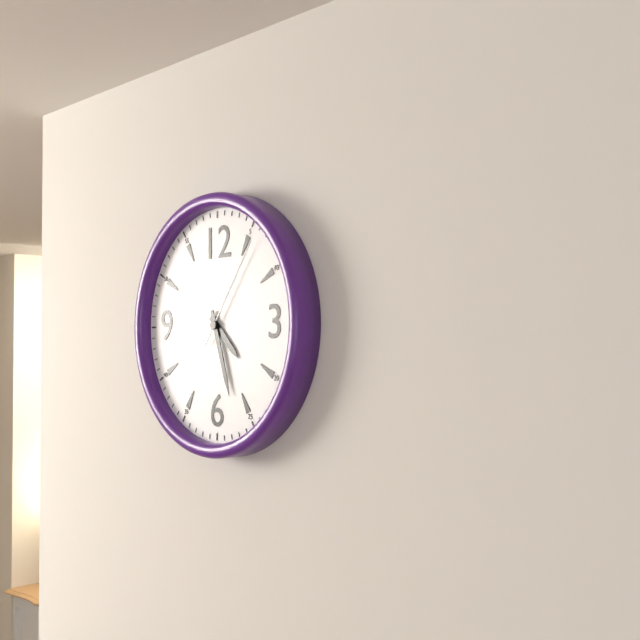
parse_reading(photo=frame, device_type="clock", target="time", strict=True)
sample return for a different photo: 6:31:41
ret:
4:27:06
